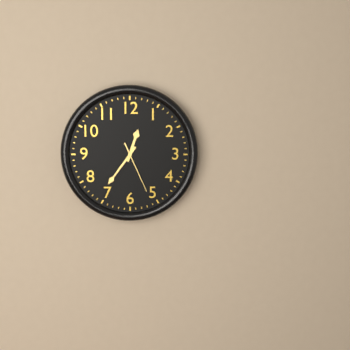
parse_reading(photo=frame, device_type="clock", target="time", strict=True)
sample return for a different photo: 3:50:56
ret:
12:36:26
